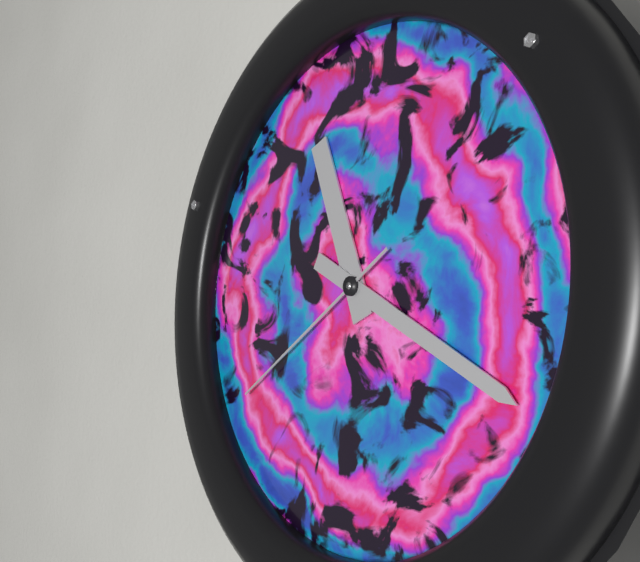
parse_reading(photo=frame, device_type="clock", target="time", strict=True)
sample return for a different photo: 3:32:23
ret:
11:20:40
